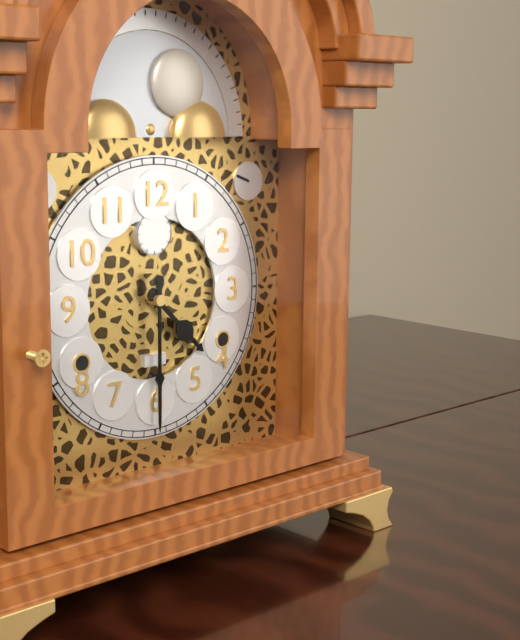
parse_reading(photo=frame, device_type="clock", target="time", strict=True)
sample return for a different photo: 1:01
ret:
4:30
